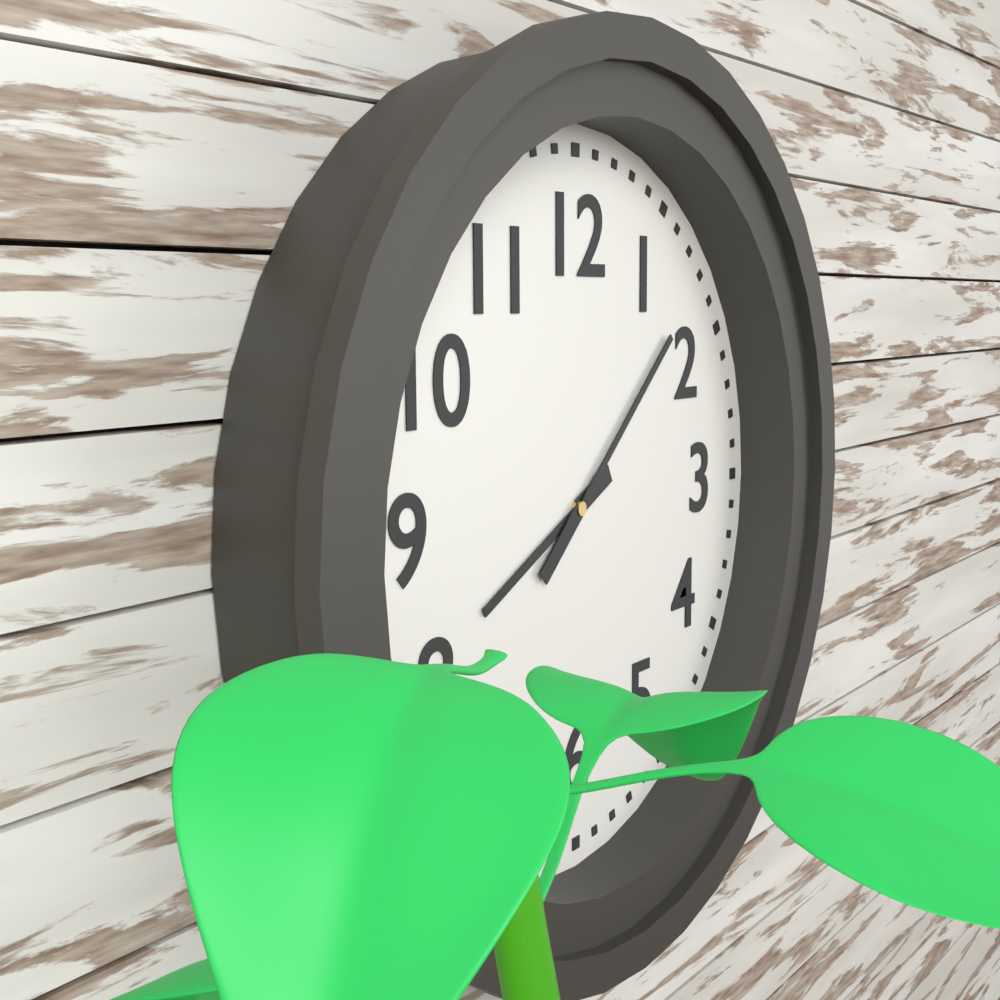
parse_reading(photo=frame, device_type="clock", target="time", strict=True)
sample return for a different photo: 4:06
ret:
8:08
